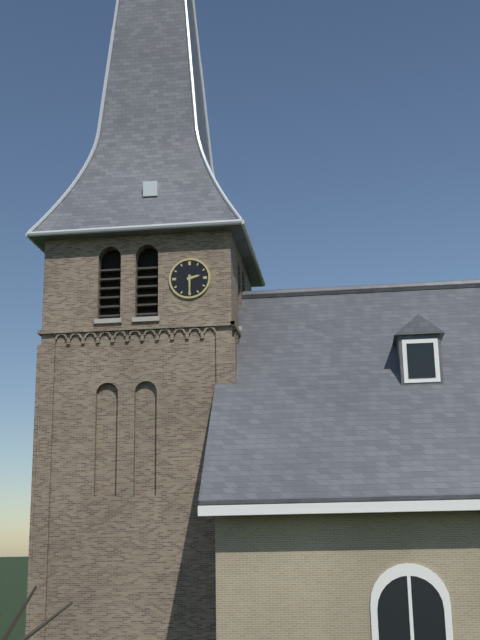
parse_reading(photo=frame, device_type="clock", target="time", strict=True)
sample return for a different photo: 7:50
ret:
2:30
